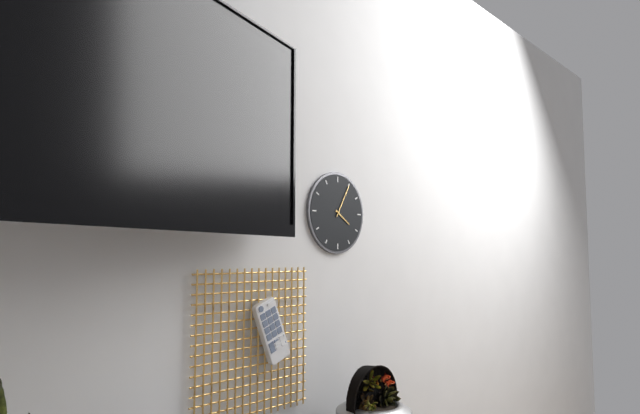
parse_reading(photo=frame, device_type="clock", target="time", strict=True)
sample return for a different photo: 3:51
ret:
4:05
